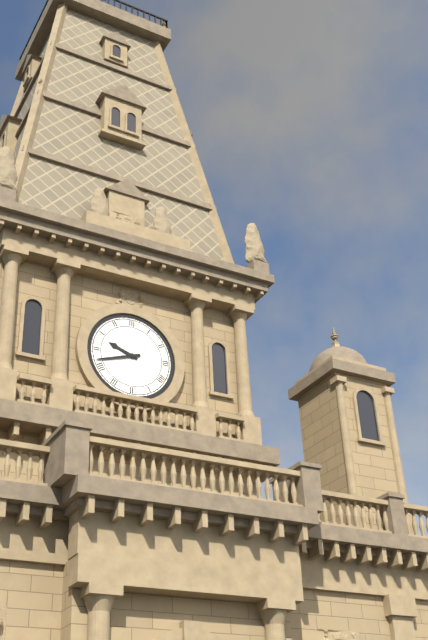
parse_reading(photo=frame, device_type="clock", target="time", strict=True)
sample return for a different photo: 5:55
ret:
9:42
